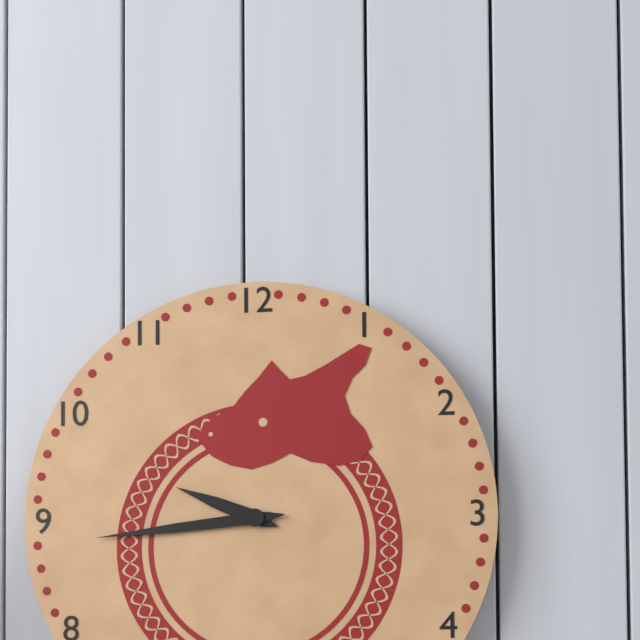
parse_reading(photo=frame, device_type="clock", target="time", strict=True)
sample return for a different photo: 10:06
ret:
9:44
